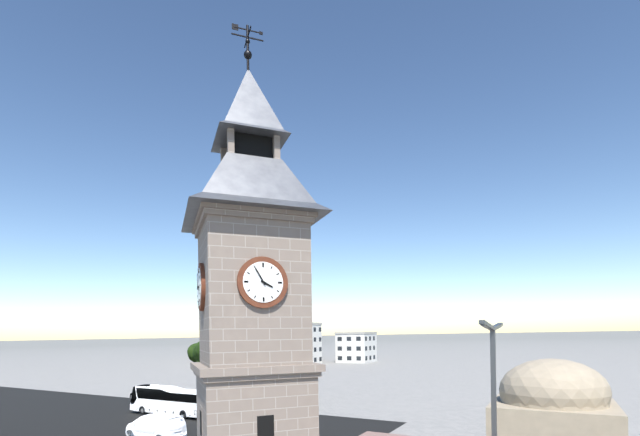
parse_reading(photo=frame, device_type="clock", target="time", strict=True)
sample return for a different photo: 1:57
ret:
3:55
